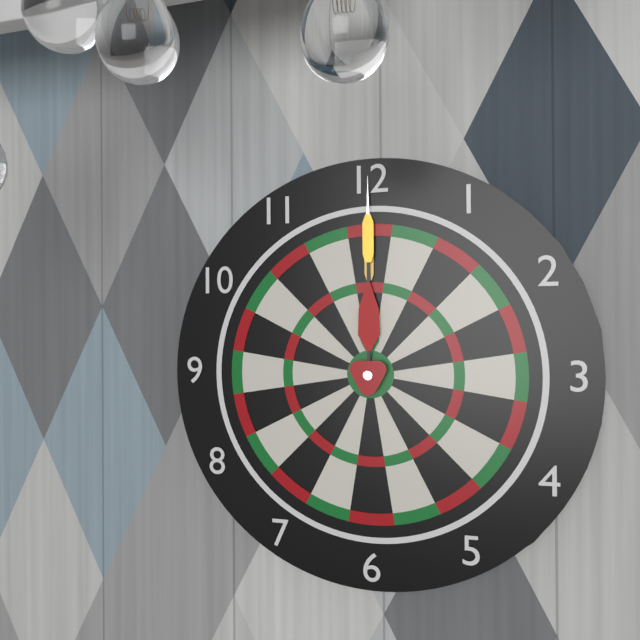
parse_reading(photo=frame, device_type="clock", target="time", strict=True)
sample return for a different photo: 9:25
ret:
12:00
